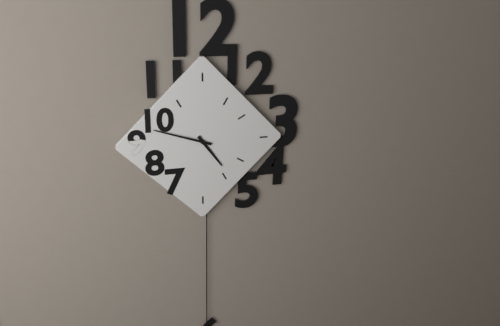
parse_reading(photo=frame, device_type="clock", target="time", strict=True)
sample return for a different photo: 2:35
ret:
4:48
